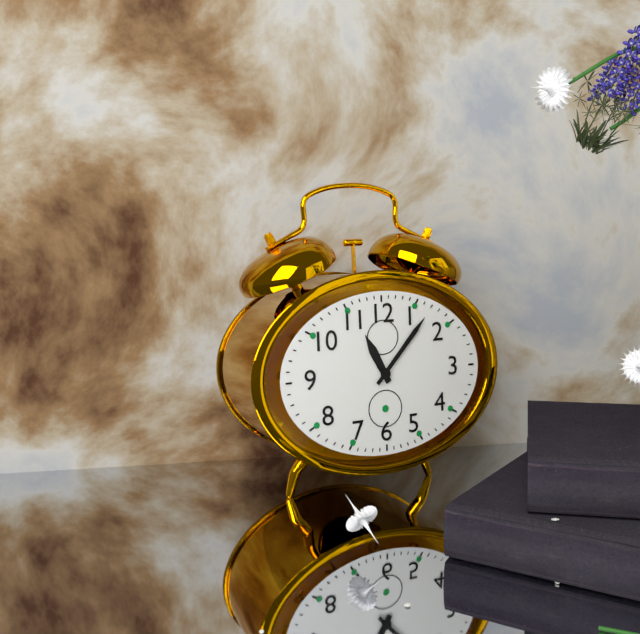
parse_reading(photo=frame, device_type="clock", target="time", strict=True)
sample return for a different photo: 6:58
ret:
11:07
